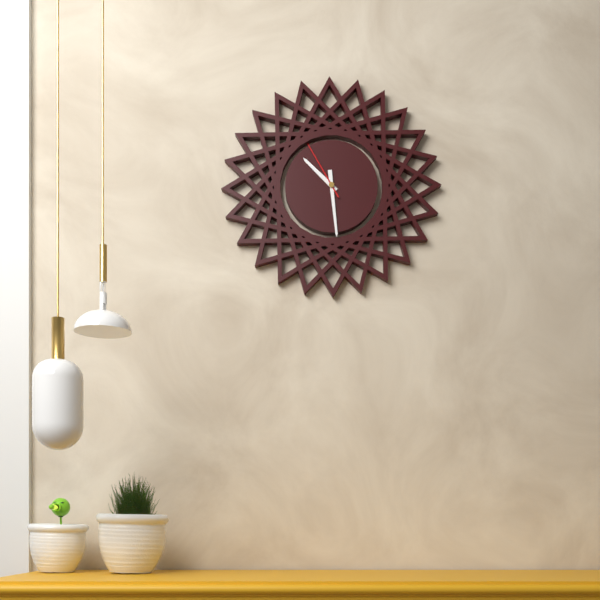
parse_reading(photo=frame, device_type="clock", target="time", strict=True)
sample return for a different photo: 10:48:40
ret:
10:29:55
